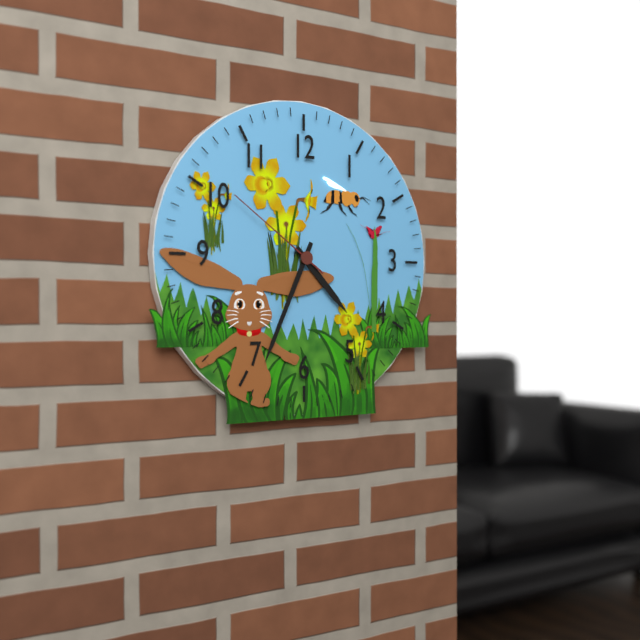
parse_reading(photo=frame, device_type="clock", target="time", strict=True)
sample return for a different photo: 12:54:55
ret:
4:34:51
